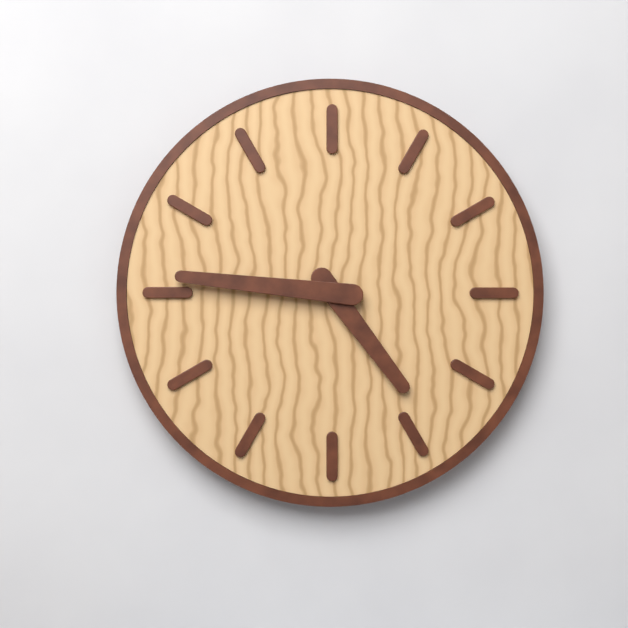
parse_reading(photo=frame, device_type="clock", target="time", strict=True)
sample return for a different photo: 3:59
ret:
4:46
